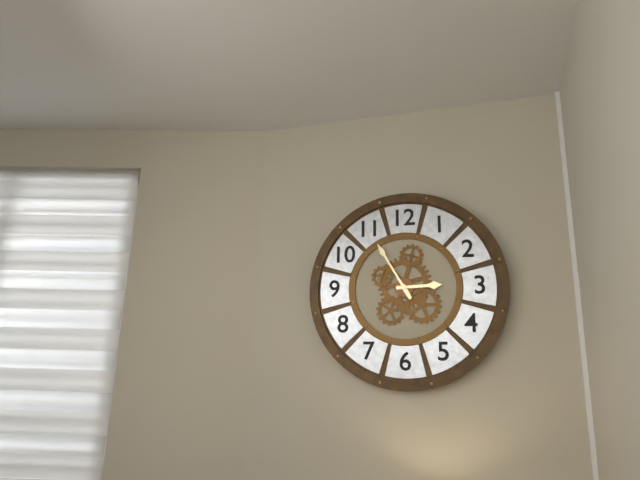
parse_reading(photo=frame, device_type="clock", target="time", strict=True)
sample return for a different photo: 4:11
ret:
2:55
